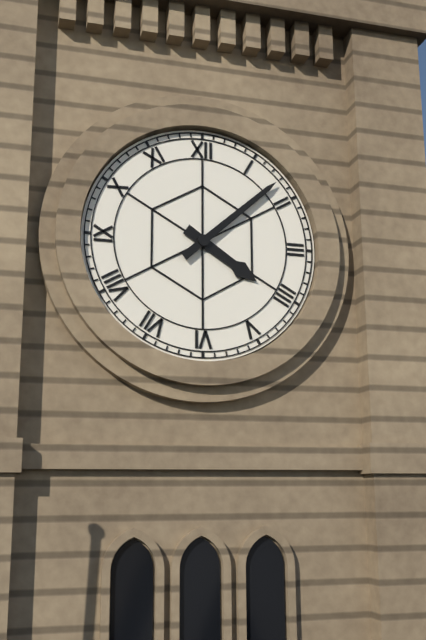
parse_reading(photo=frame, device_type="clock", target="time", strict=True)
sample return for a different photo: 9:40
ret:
4:08
